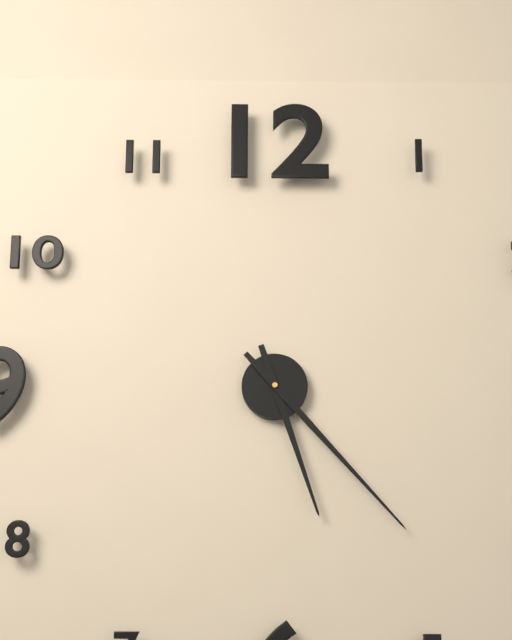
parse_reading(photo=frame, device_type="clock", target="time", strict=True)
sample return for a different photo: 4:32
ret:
5:23
